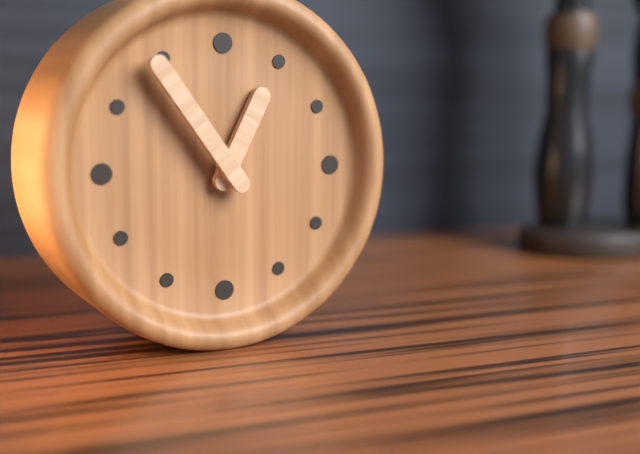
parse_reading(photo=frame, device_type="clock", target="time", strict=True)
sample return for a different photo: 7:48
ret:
12:54
